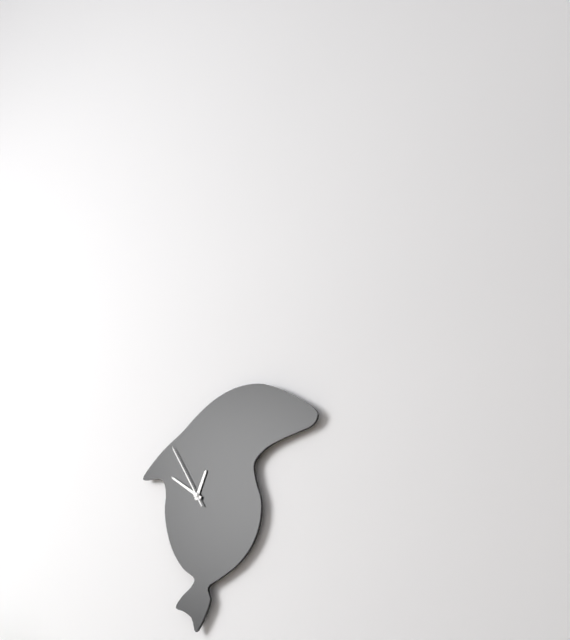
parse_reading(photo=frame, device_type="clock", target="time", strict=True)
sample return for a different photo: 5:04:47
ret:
12:51:55
